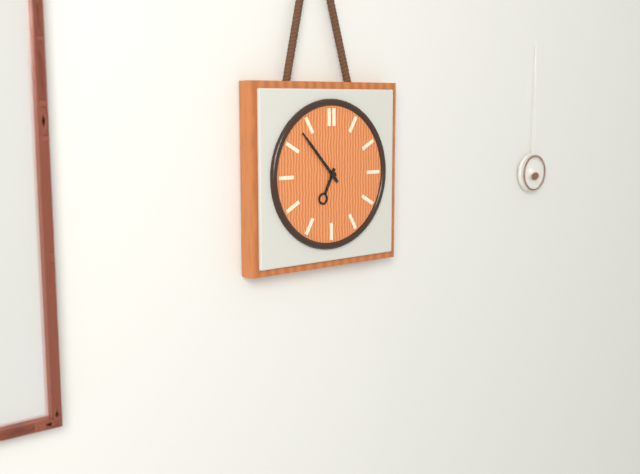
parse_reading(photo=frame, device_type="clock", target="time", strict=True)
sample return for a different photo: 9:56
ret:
6:53
